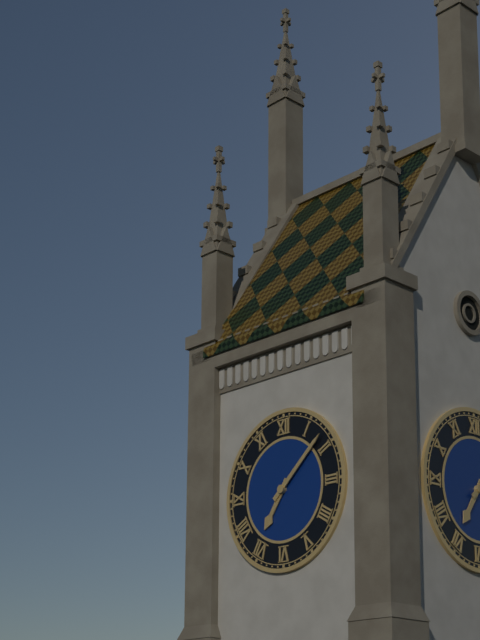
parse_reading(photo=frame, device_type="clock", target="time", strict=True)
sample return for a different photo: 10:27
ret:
7:08
